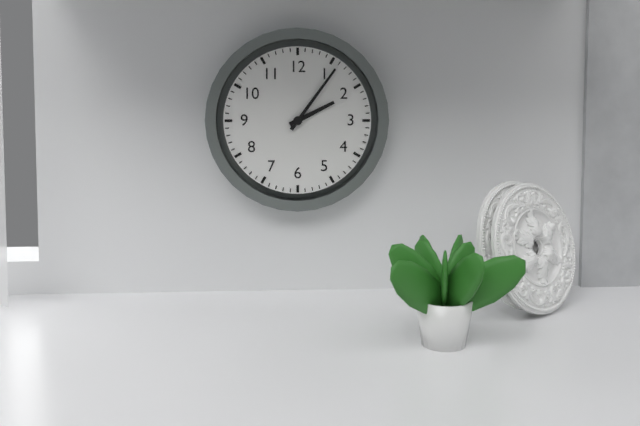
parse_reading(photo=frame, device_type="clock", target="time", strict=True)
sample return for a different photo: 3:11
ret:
2:06
